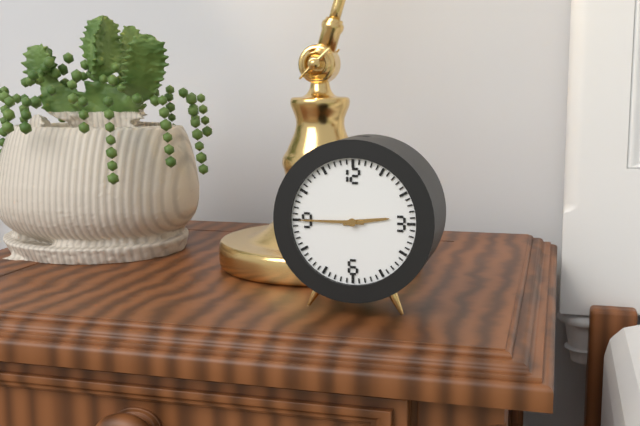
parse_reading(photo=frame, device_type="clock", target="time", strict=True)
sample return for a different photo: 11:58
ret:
2:45
